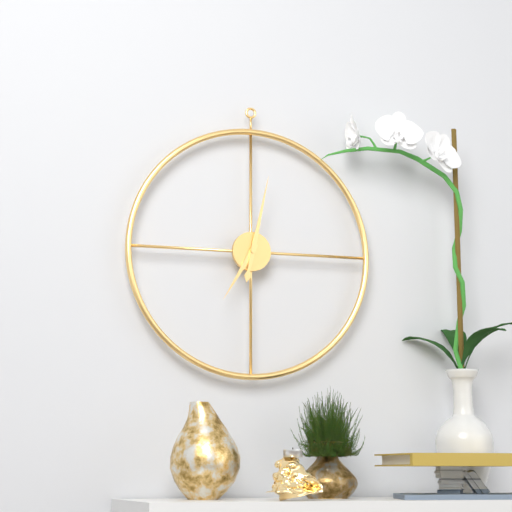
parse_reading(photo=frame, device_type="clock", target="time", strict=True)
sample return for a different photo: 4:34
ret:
7:02
